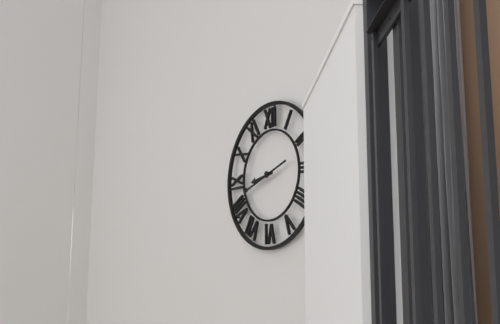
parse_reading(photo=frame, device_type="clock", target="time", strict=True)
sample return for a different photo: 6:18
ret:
8:42
